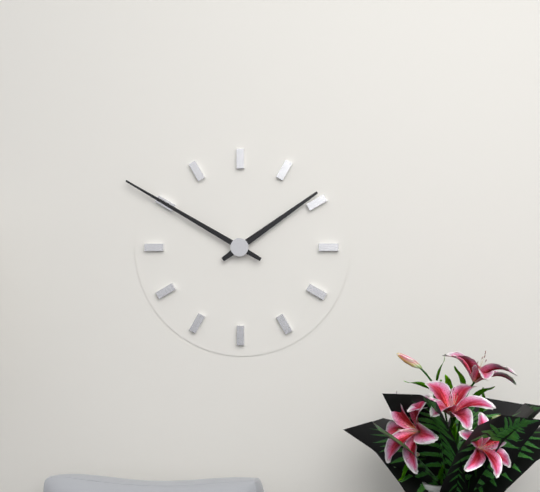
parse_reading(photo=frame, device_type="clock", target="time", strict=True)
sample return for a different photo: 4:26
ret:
1:50
